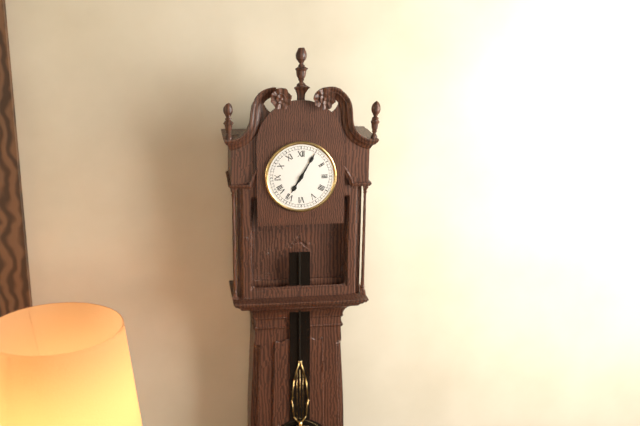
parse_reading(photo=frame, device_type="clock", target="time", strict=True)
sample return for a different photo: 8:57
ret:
7:05
